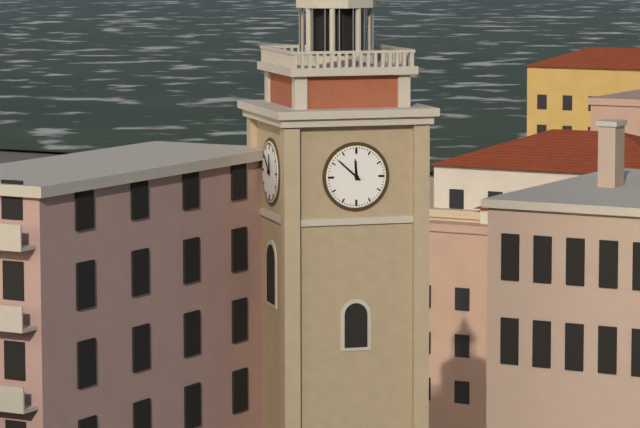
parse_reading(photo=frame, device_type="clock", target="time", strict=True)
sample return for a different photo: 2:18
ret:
11:52
